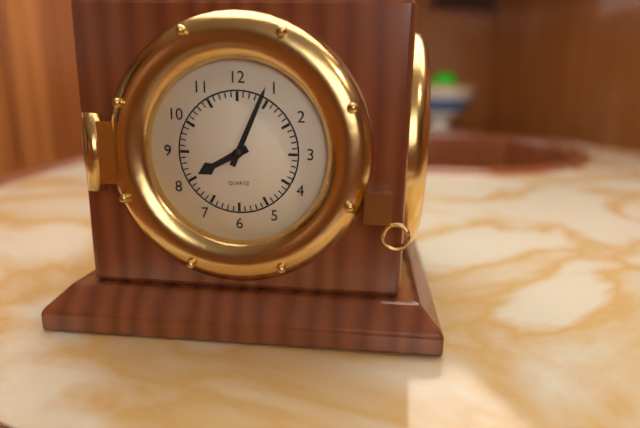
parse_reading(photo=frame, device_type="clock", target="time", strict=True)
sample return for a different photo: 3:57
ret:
8:04
